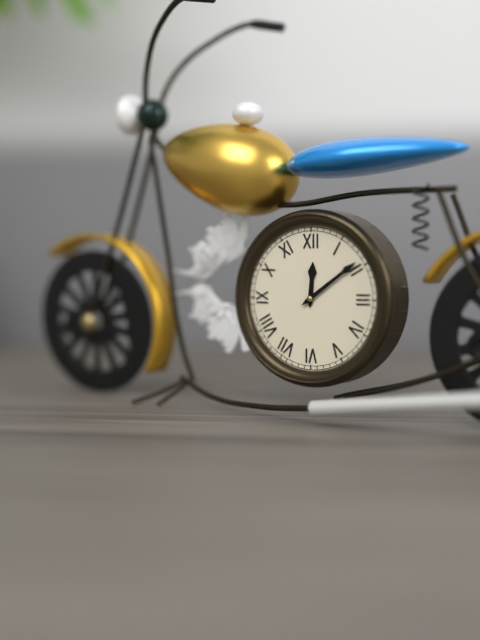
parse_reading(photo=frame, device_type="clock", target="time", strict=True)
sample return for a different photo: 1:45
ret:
12:09
